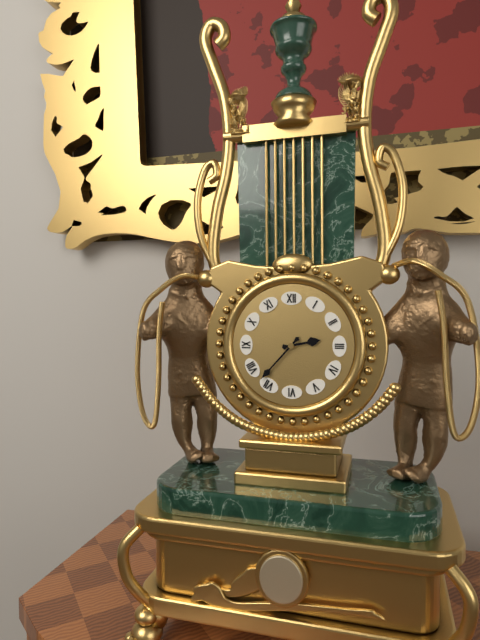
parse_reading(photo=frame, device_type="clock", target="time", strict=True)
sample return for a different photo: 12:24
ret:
2:37
